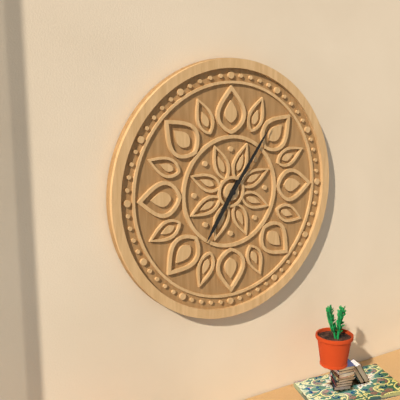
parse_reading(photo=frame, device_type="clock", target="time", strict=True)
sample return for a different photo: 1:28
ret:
7:06
